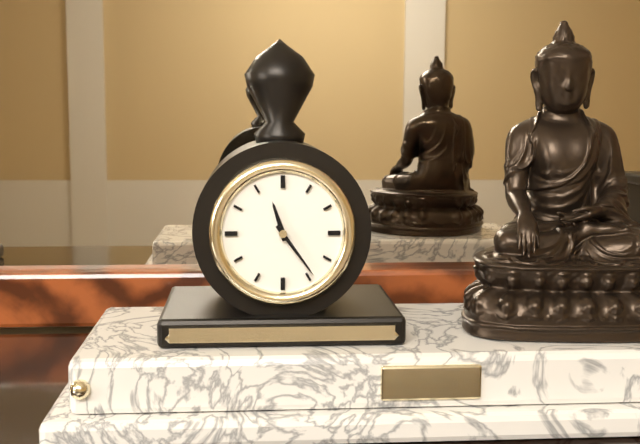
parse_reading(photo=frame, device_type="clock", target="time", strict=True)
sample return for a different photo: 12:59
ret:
11:24
